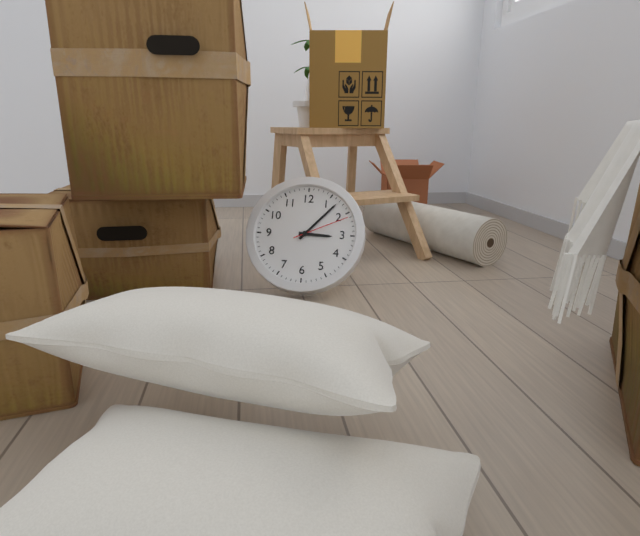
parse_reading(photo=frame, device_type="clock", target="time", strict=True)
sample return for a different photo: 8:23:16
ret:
3:07:11
